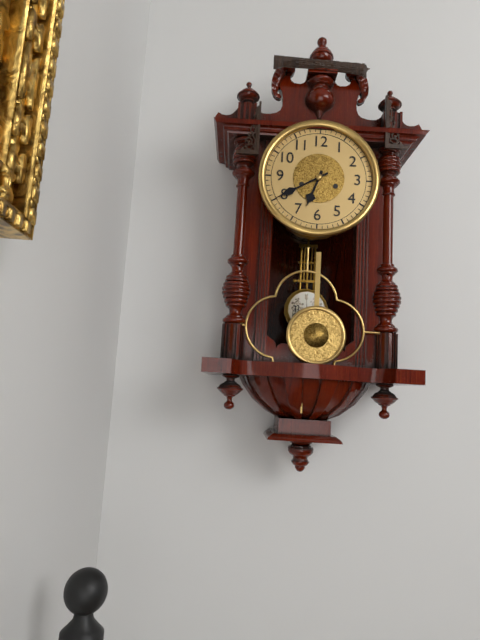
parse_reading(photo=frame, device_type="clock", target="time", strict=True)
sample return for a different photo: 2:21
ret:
6:40
